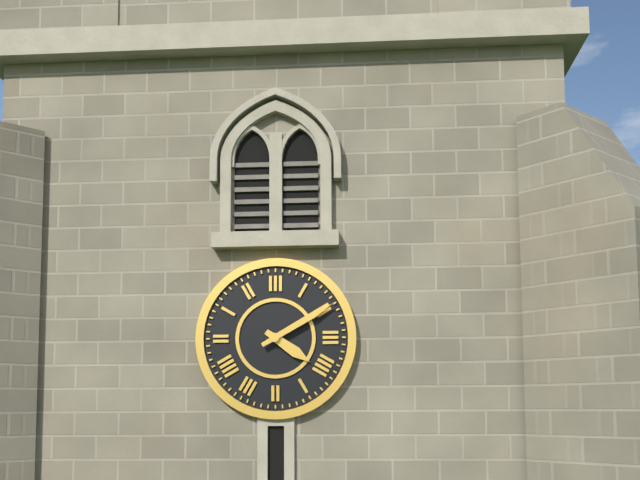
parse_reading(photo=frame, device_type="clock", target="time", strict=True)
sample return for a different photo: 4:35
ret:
4:10
